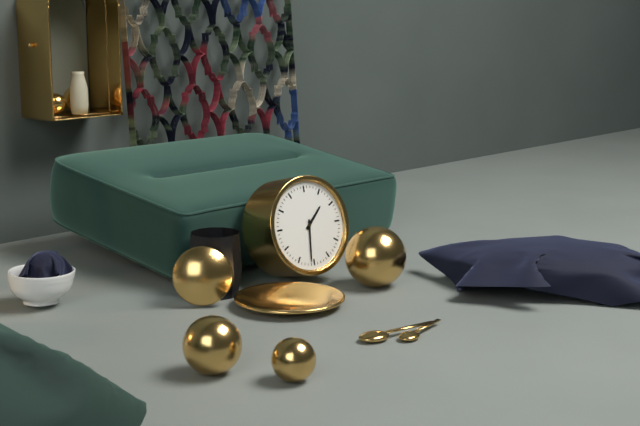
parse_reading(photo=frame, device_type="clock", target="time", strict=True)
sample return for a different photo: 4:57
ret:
1:31
